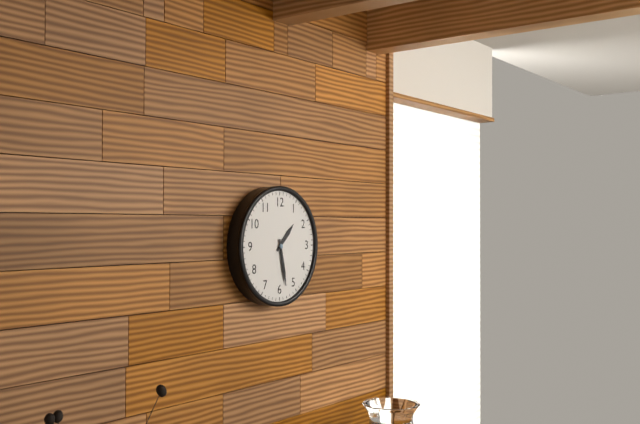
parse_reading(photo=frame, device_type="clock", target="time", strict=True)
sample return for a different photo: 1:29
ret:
1:28
